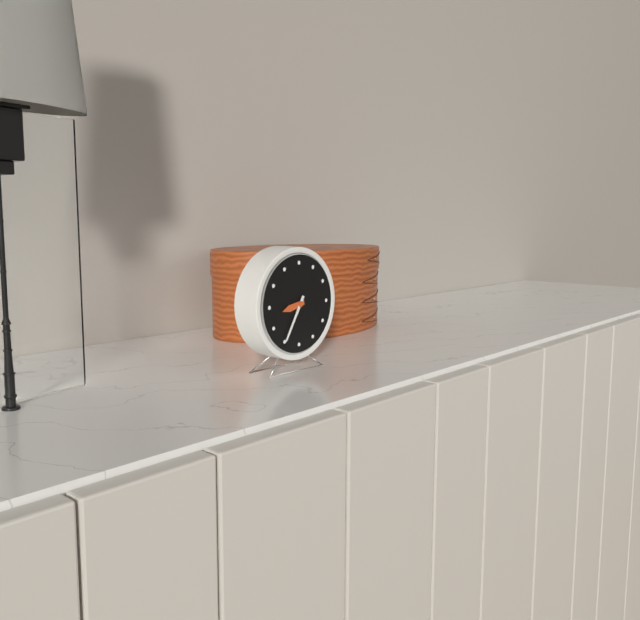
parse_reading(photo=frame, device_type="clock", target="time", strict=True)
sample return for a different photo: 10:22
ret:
8:35
